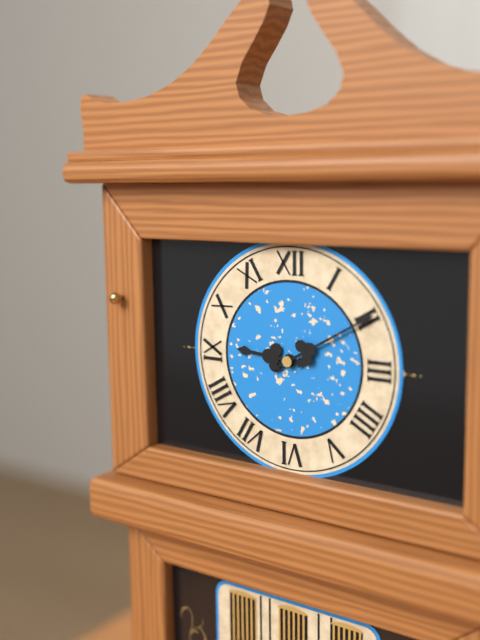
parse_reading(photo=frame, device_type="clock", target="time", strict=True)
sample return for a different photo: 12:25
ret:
9:10
